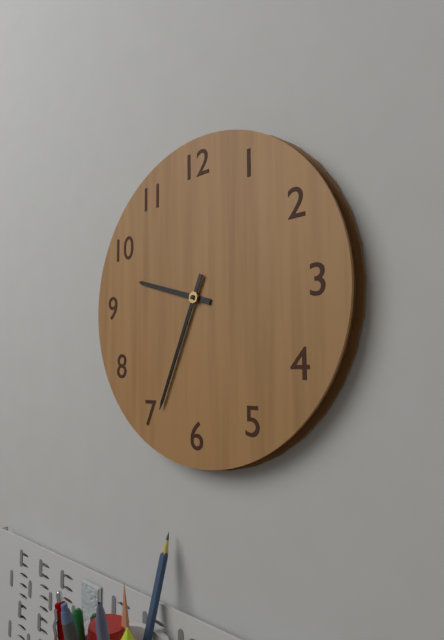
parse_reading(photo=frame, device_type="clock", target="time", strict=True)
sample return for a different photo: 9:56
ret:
9:34
